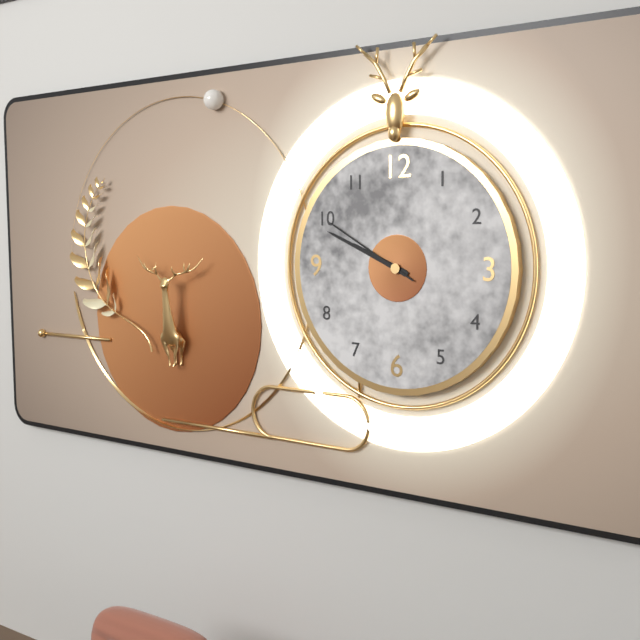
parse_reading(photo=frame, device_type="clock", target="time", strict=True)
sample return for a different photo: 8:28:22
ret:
9:49:50
